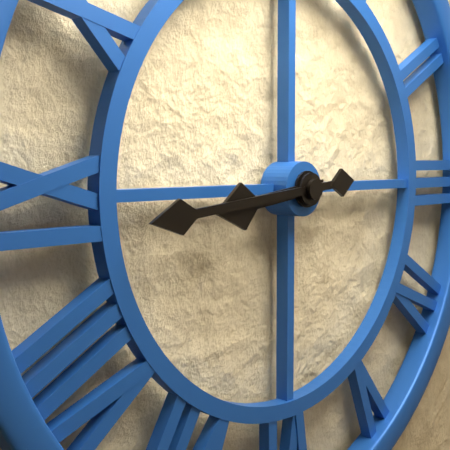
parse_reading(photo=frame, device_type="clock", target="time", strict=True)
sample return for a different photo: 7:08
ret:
8:44
